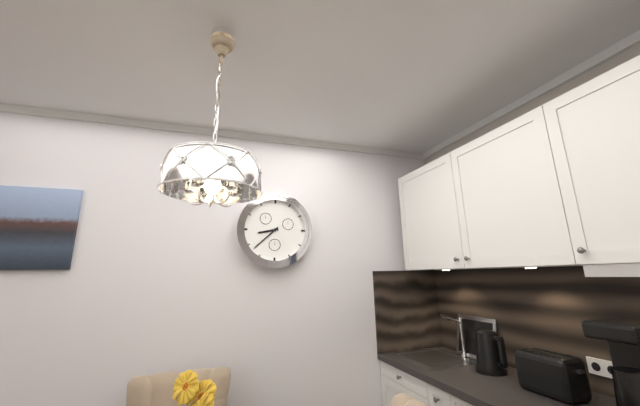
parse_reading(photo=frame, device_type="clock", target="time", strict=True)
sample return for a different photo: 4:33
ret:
8:38
